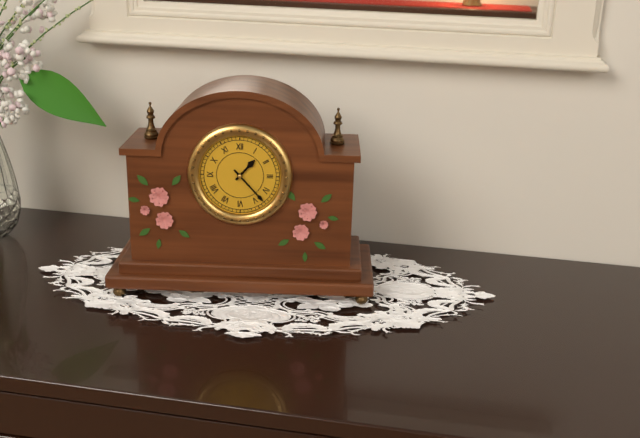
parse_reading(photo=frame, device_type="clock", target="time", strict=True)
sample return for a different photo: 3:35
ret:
1:23
